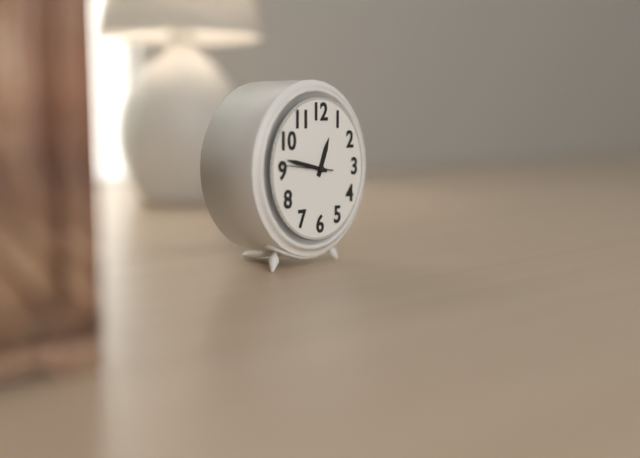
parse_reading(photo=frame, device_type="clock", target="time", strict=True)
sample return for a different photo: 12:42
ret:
12:47
